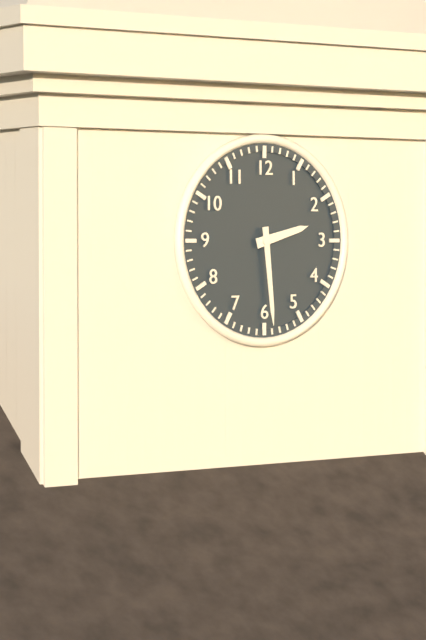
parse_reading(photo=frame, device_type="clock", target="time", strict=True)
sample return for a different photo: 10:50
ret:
2:29
